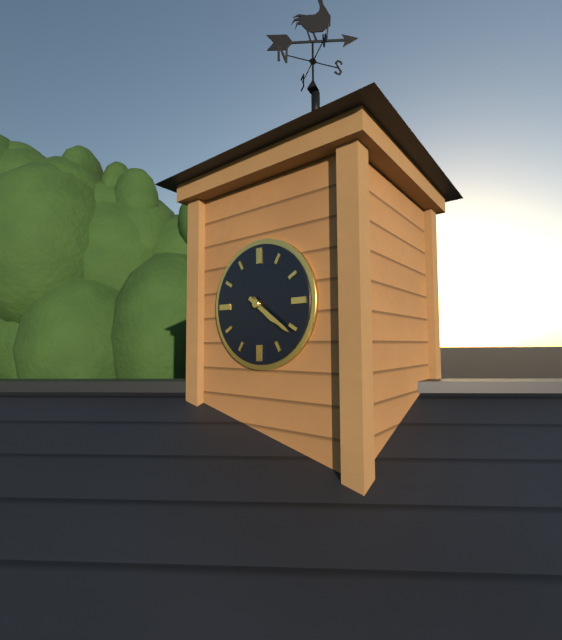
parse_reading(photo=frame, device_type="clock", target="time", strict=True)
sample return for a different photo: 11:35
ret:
4:21
